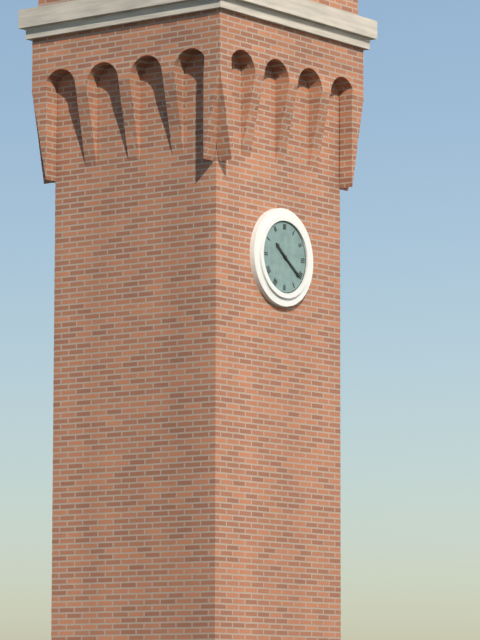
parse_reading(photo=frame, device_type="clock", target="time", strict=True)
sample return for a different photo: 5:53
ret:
10:21
